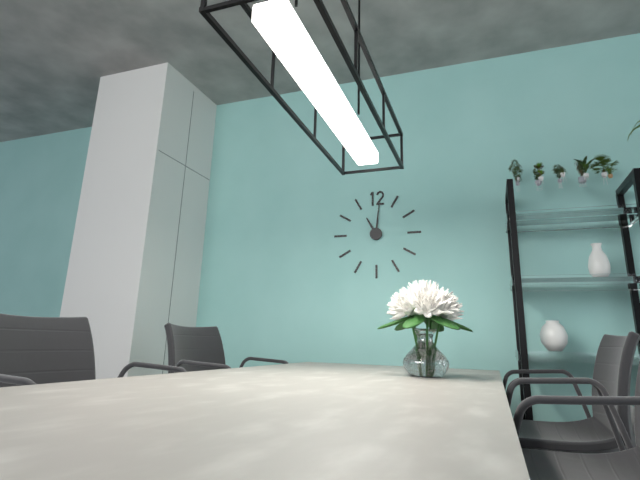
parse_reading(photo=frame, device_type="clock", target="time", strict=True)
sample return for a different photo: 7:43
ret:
11:01
